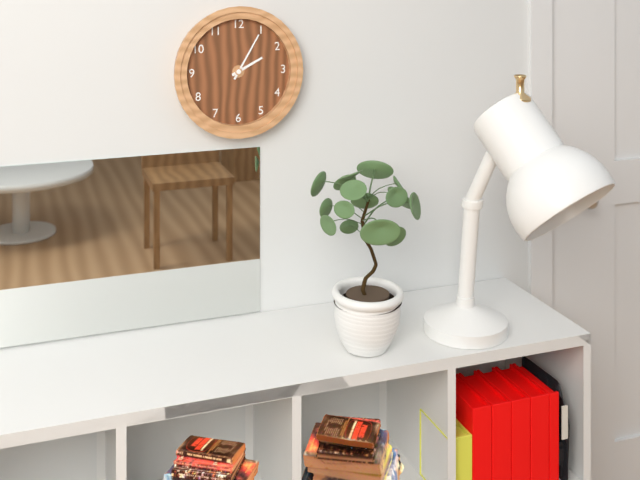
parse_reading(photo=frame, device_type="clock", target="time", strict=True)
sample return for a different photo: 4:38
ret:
2:05
